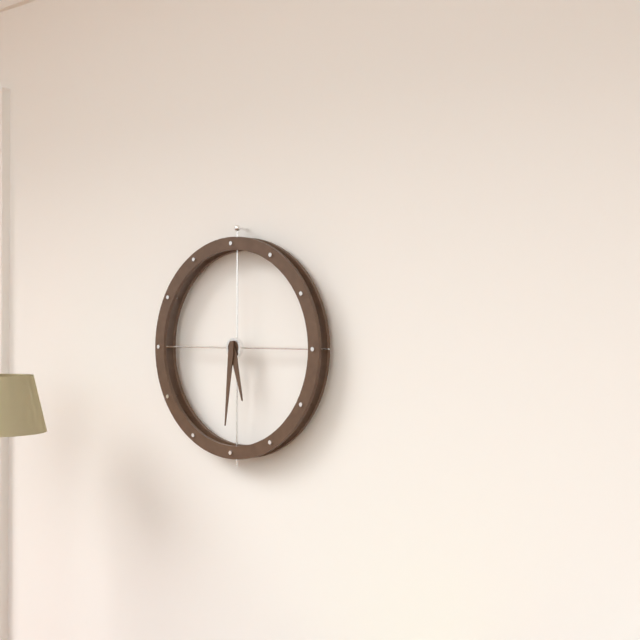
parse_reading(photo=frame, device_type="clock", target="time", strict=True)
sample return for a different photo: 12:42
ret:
5:31
